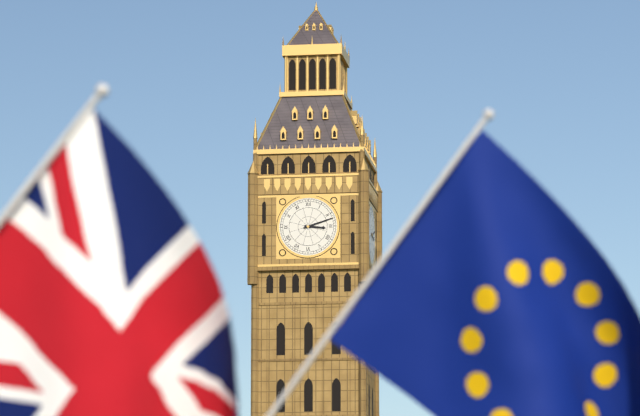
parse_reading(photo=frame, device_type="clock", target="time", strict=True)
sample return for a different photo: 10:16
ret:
3:12
